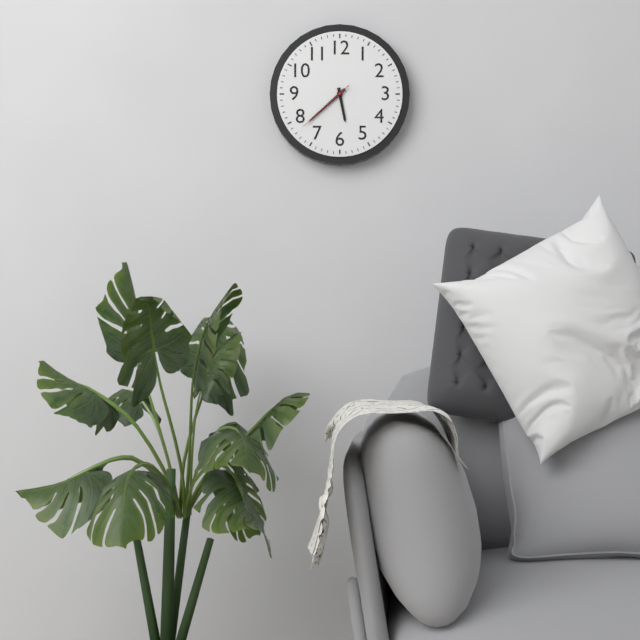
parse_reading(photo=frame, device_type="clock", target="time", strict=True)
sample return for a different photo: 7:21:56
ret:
5:38:38
